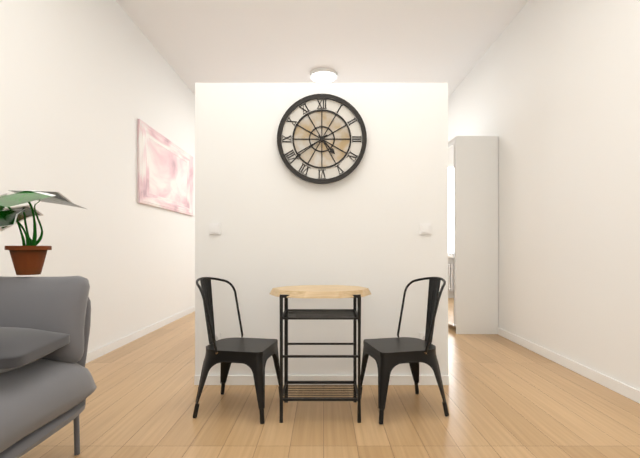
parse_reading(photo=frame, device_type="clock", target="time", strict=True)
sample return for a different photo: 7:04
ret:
4:39
